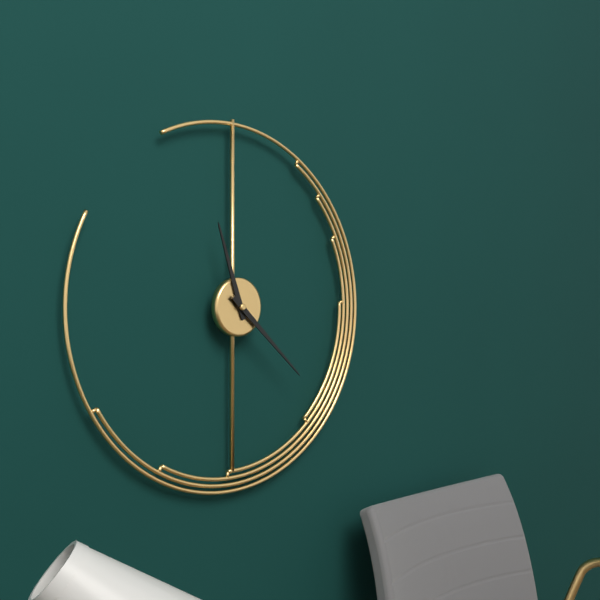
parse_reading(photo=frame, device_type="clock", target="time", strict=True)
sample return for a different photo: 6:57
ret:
11:22
